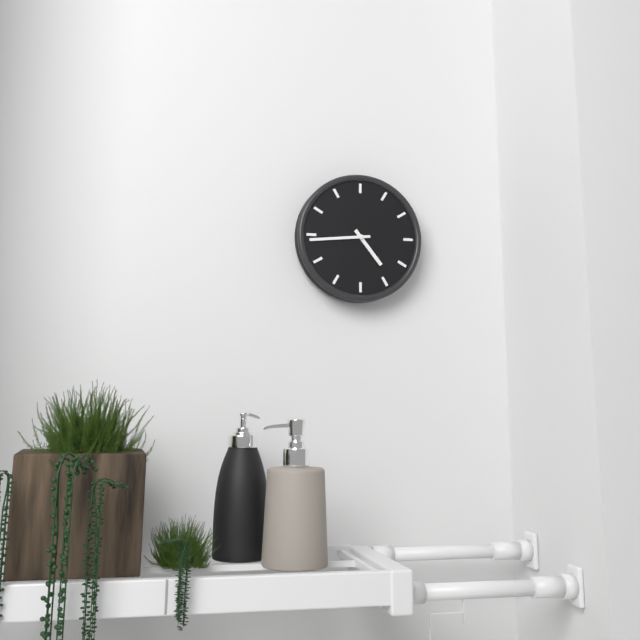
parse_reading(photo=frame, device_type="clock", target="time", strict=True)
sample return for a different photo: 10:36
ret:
4:44
